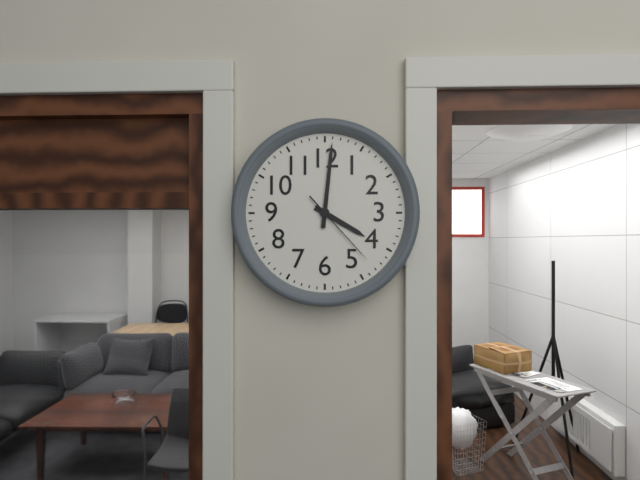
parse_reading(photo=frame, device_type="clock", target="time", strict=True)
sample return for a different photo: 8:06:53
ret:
4:01:23
